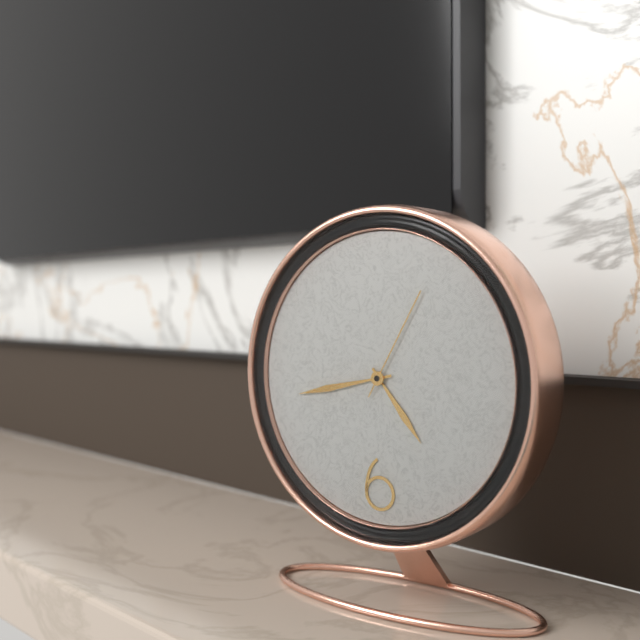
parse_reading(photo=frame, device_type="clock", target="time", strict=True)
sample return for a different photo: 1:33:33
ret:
4:43:05
